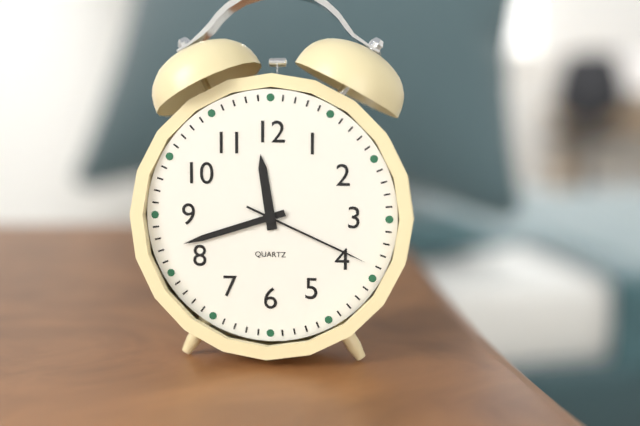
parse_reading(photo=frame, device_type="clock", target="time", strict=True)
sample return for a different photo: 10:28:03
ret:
11:42:19
